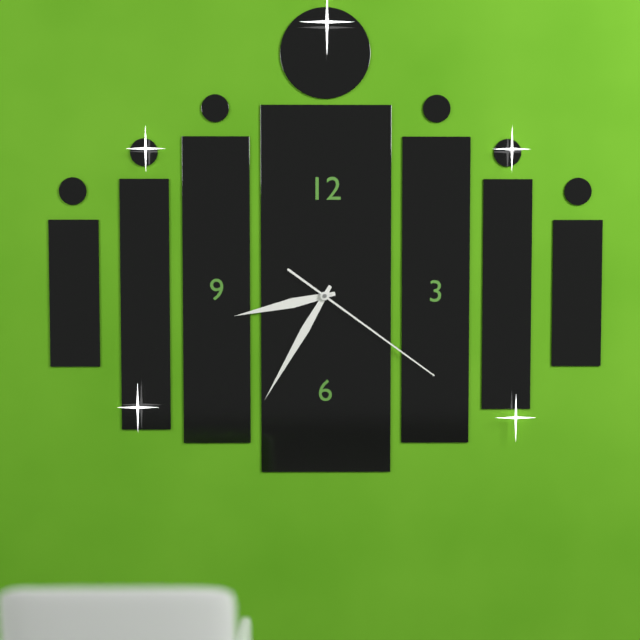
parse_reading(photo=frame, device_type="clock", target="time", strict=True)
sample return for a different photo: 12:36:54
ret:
8:35:21
